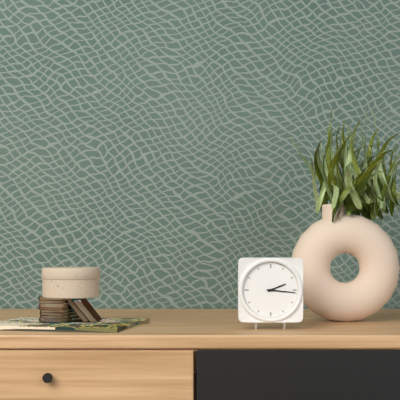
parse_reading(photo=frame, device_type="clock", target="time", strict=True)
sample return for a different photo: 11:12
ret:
2:16
